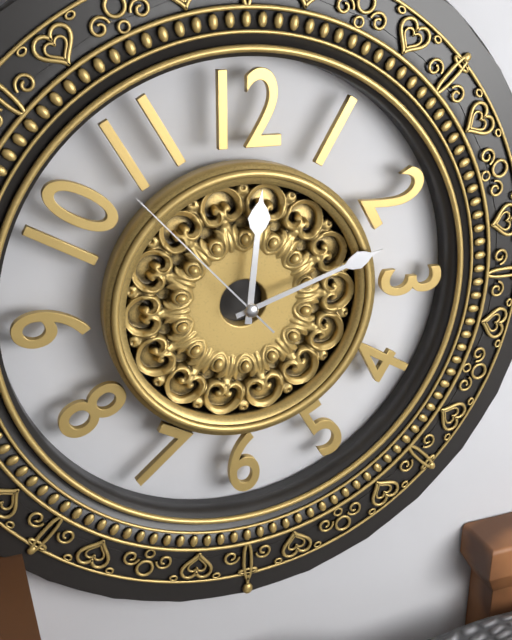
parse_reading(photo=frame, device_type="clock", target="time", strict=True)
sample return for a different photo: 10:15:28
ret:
12:12:53
